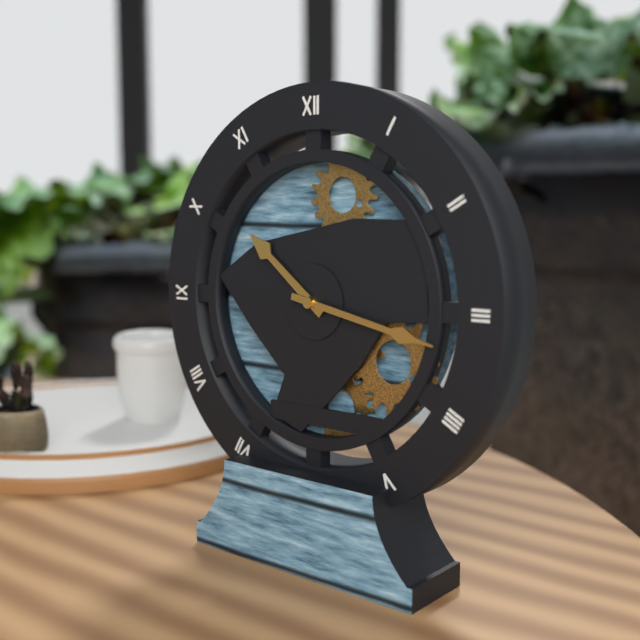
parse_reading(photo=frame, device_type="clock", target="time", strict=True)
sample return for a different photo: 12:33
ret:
10:17
